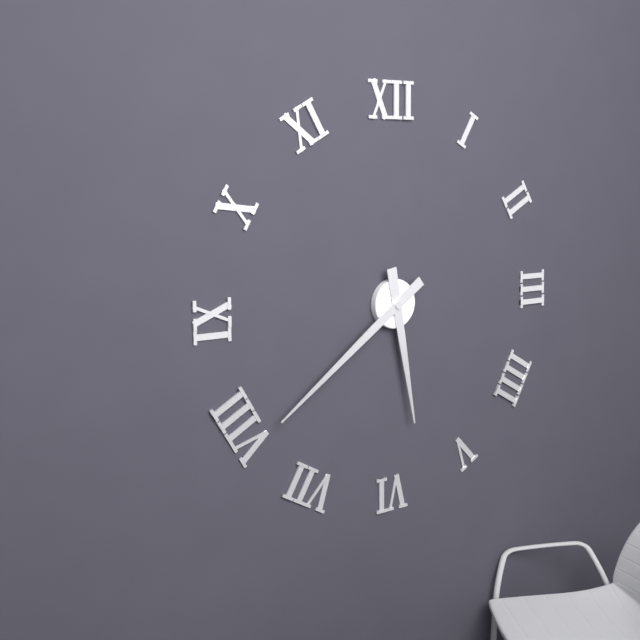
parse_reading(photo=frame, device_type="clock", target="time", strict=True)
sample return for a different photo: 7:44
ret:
5:39
